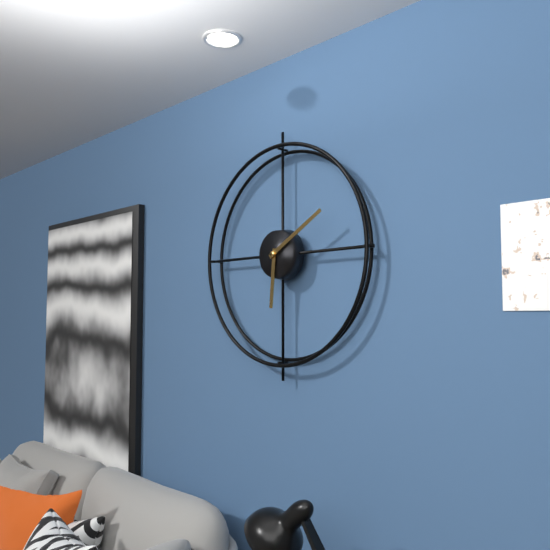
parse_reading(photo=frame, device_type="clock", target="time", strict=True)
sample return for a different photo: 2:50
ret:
6:10
